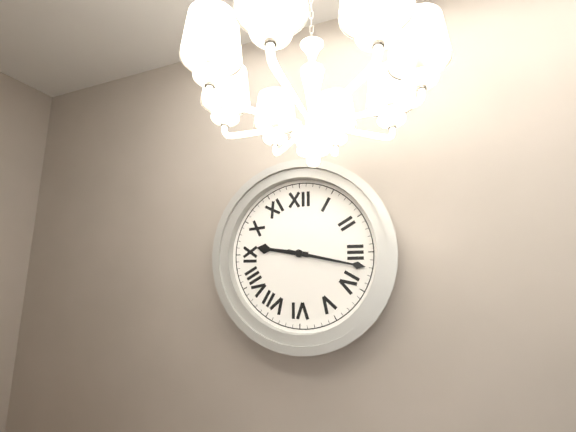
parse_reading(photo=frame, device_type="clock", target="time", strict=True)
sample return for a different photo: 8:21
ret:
9:17
